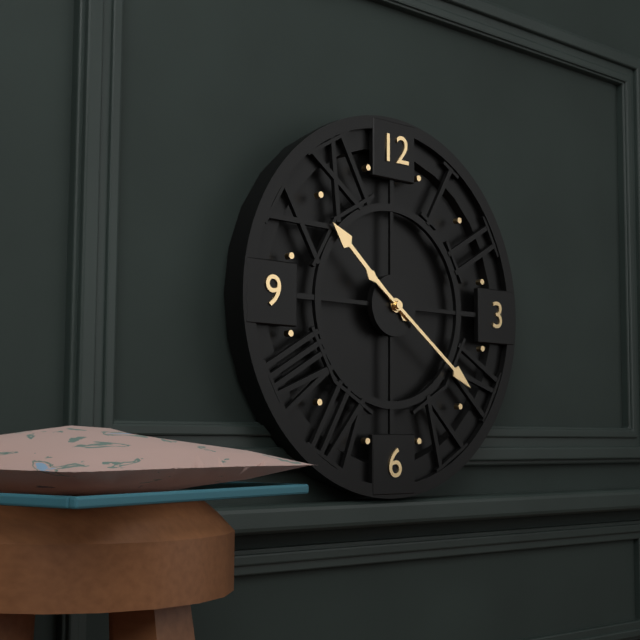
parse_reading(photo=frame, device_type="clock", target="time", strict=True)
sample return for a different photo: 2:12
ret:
10:21
